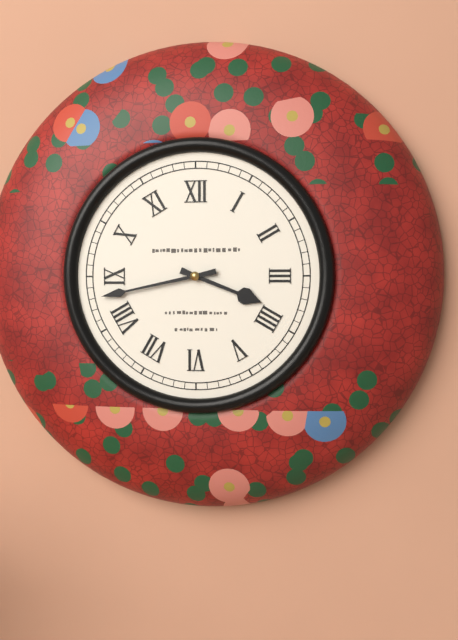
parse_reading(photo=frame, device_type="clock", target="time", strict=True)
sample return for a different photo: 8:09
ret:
3:43
